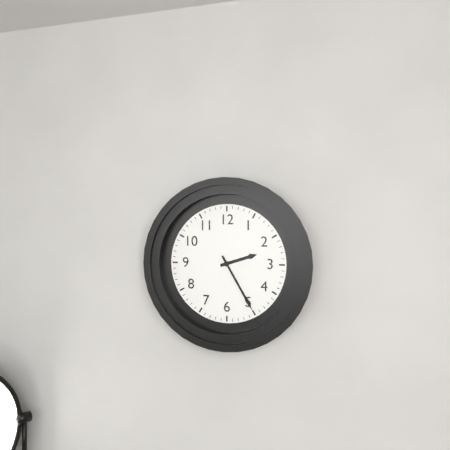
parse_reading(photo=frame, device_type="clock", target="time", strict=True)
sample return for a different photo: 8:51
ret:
2:25
